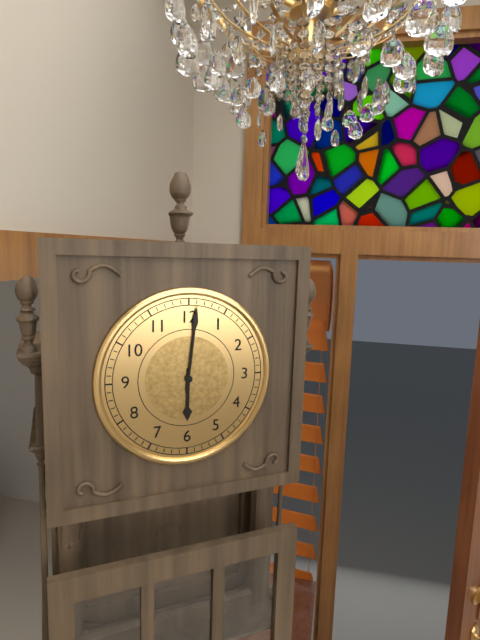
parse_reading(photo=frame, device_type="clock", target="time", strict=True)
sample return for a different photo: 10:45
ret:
6:01
